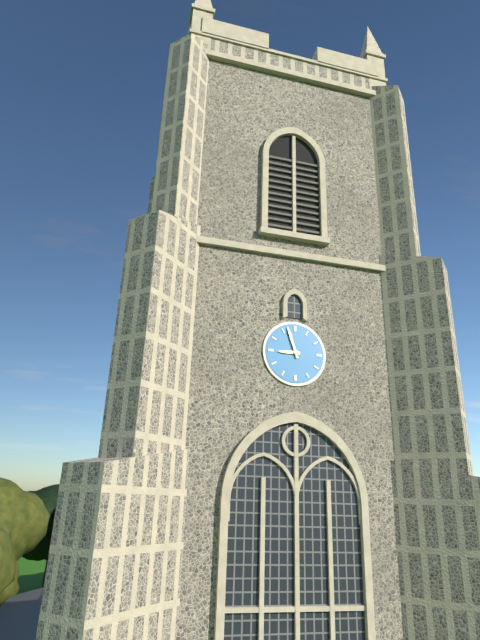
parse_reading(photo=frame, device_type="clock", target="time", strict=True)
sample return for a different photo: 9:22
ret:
8:57
